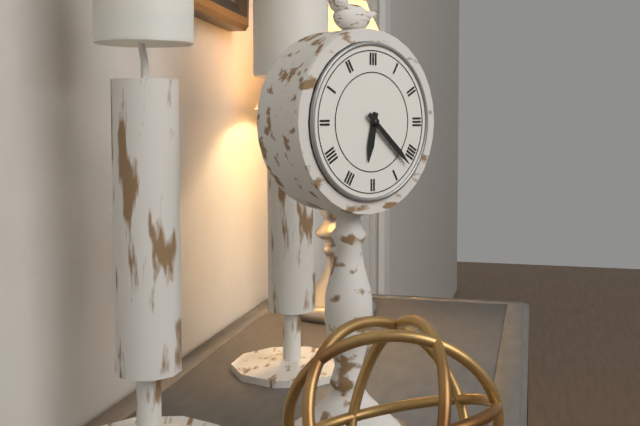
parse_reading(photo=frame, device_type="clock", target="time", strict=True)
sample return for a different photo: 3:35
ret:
6:22
